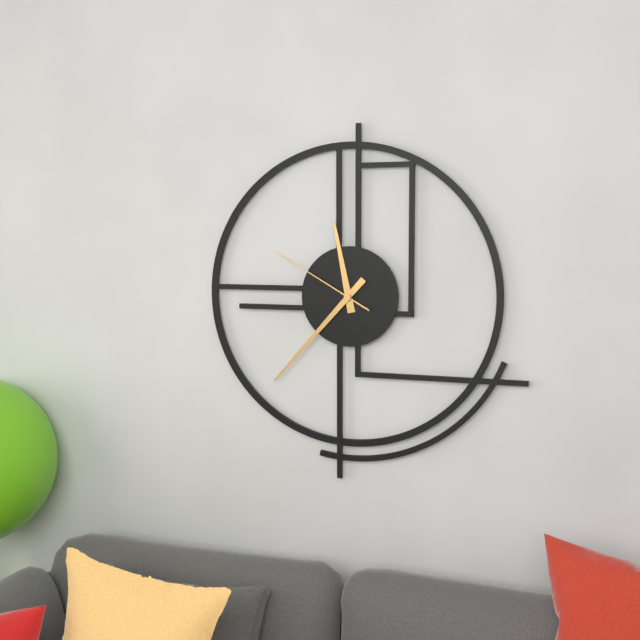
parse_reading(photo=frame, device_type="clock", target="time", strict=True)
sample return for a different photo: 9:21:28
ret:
11:37:50
